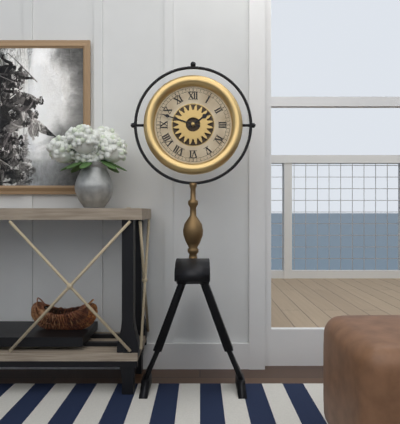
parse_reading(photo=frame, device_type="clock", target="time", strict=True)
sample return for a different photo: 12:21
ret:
1:48
